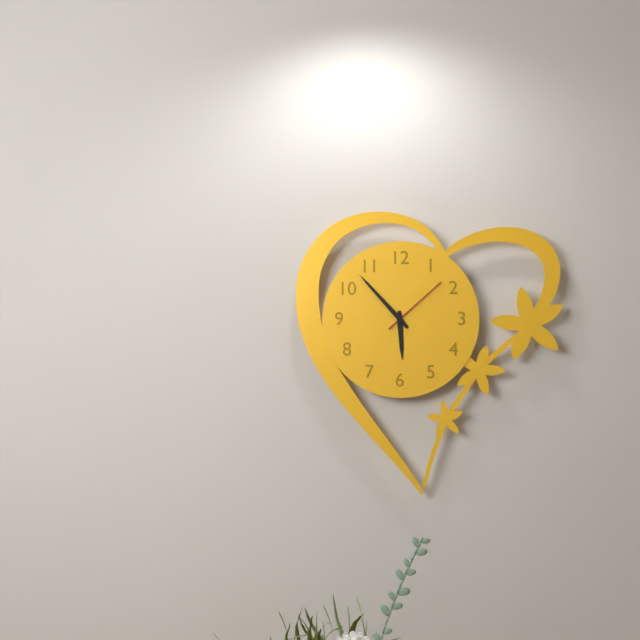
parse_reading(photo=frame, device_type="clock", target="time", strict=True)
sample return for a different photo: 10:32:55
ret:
5:53:08
